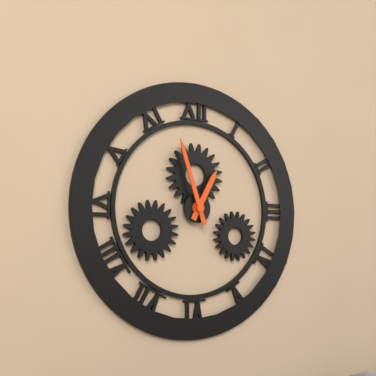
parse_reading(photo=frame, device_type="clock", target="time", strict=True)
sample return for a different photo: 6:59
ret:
12:57
